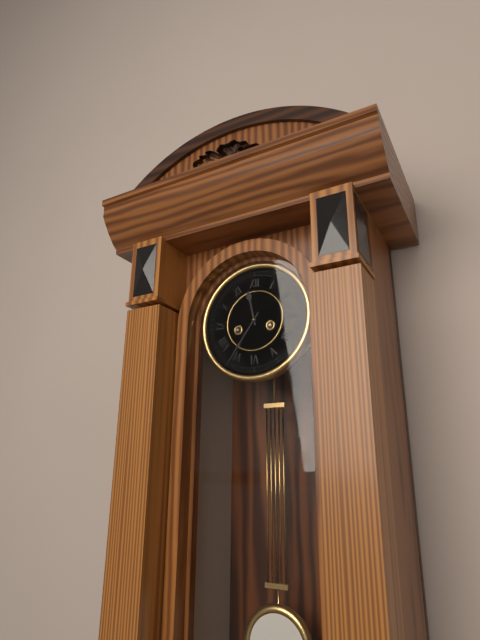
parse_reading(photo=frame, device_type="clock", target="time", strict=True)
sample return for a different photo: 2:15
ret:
11:36
